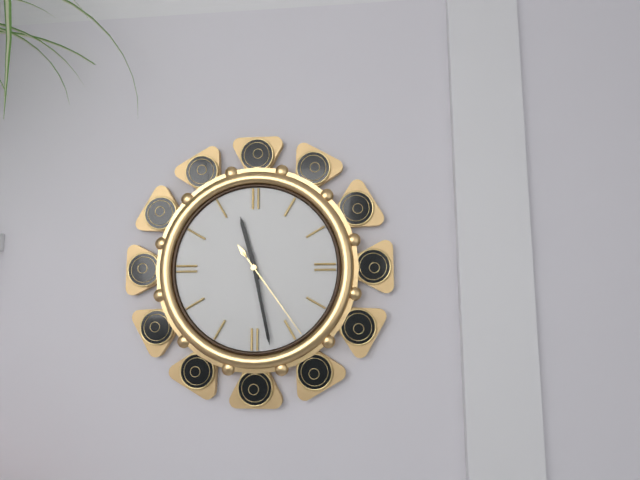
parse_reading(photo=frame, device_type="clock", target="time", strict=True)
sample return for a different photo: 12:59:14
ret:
11:28:24
